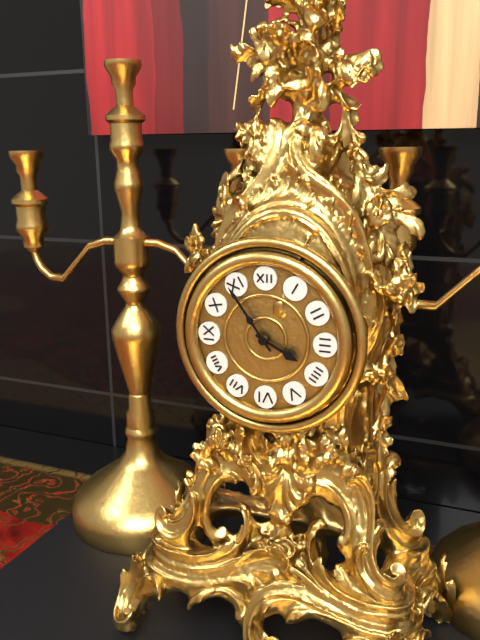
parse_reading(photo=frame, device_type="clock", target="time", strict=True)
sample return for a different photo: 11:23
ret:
3:54
